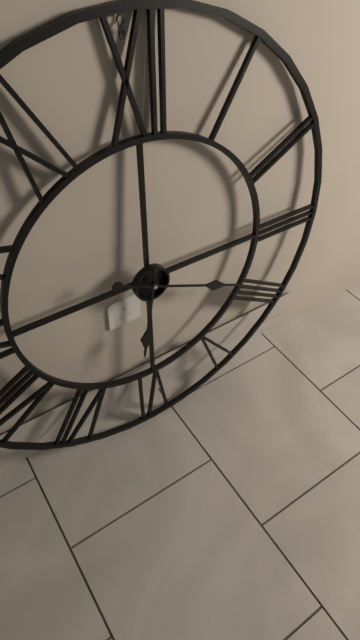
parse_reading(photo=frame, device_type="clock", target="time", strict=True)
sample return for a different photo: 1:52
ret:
6:19
